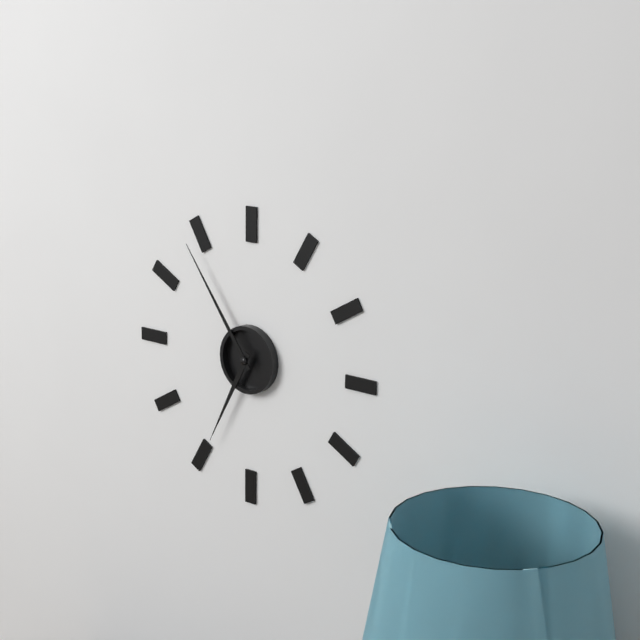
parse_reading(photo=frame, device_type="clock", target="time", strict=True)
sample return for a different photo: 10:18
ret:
6:54
